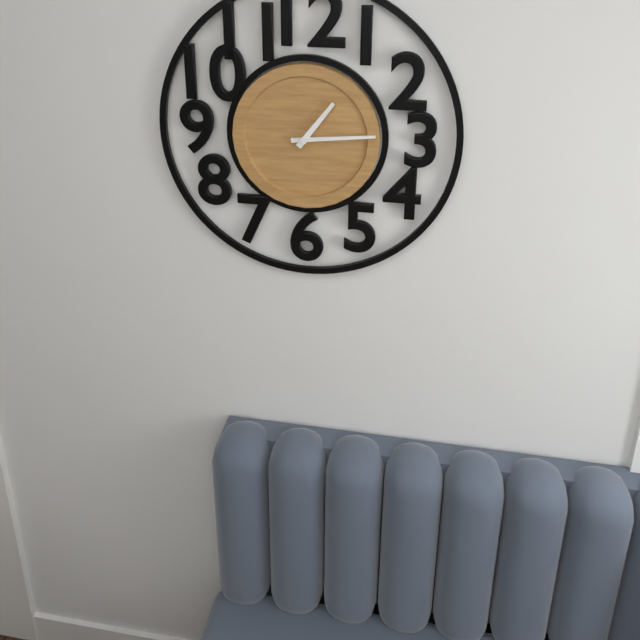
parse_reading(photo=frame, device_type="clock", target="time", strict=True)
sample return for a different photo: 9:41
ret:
1:14
